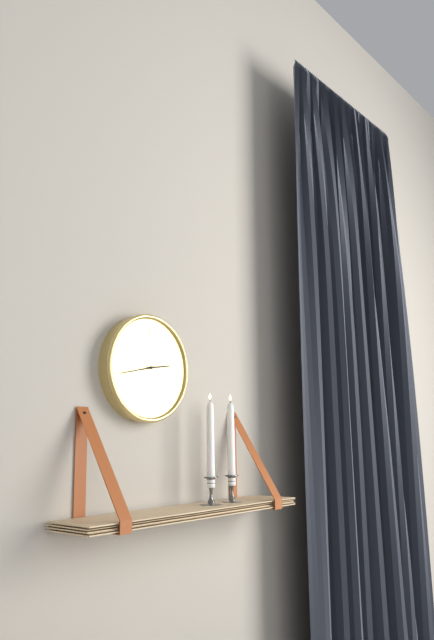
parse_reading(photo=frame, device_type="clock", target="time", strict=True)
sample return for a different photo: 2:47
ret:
2:43
